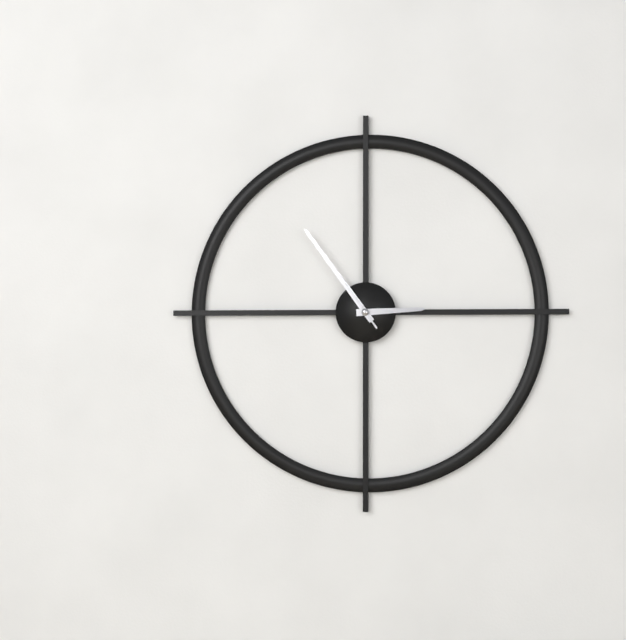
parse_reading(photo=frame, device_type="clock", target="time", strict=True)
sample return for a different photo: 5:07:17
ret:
2:54:54
